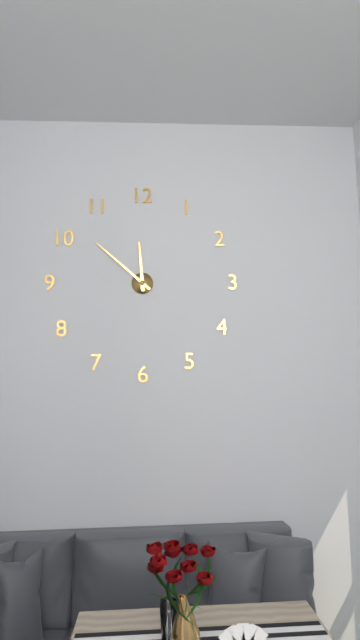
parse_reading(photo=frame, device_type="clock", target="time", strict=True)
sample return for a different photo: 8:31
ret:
11:52
